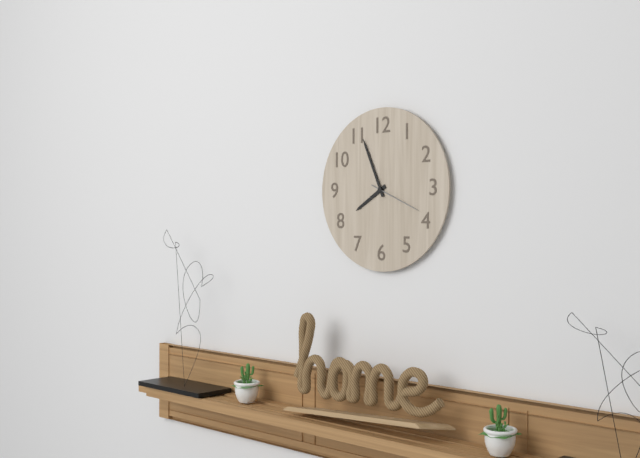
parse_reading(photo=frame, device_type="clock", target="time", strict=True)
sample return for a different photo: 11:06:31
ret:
7:56:19
